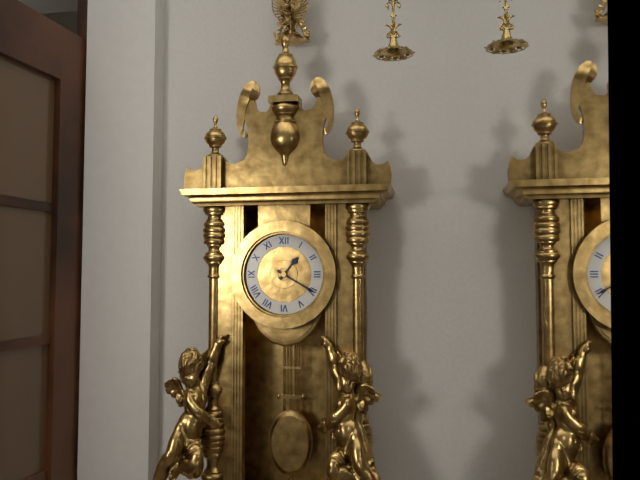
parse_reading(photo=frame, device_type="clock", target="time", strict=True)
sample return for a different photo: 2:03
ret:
1:20
